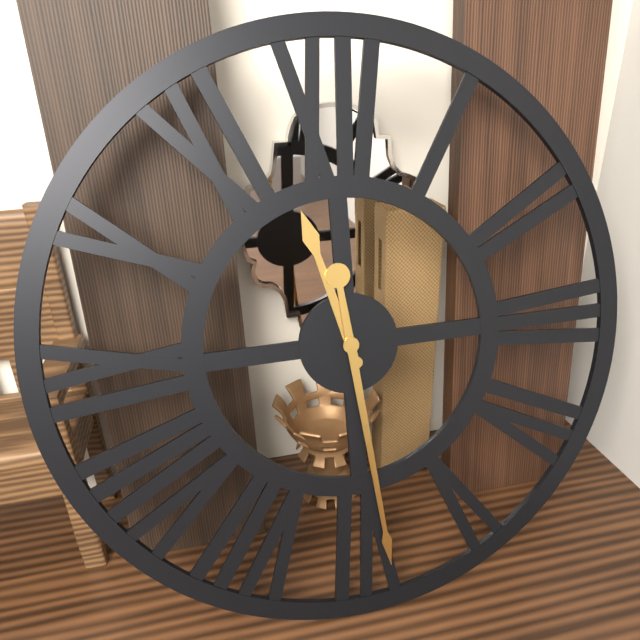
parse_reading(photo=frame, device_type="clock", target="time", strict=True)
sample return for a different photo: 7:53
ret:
11:29
